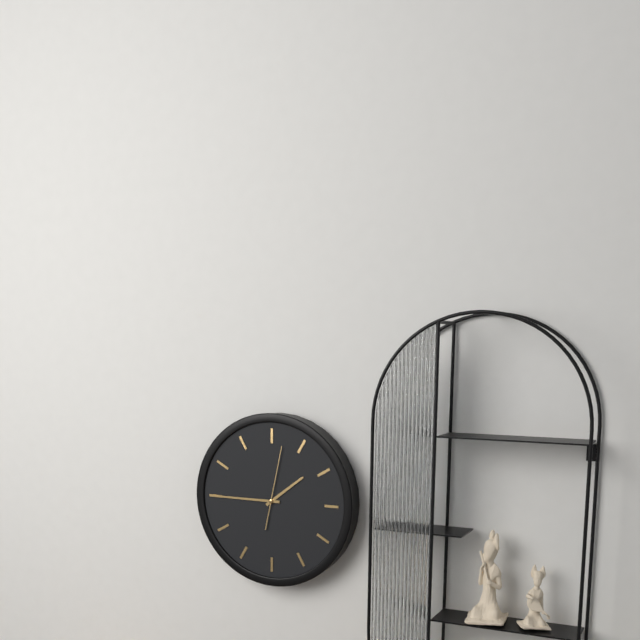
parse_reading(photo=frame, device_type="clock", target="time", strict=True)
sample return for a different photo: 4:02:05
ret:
1:45:02
